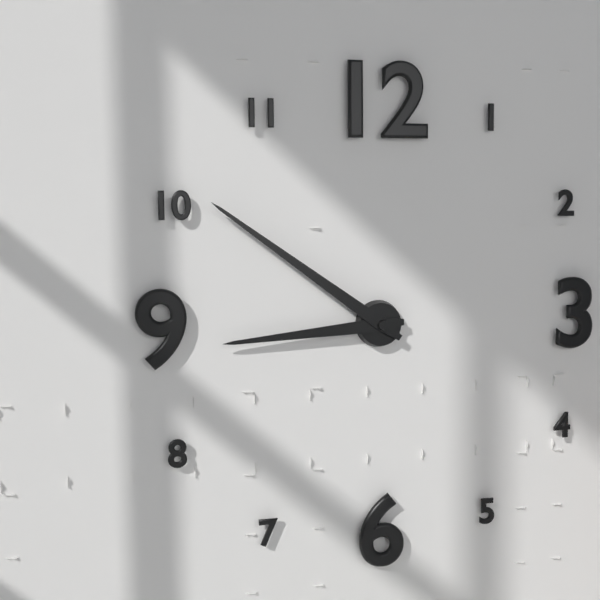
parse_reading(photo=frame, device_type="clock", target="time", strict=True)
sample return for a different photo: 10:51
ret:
8:51
